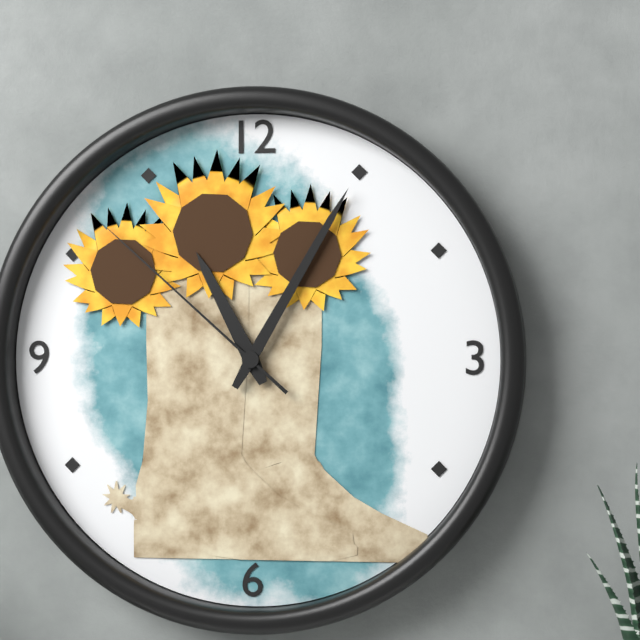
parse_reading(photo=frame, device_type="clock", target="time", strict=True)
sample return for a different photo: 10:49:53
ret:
11:05:52
